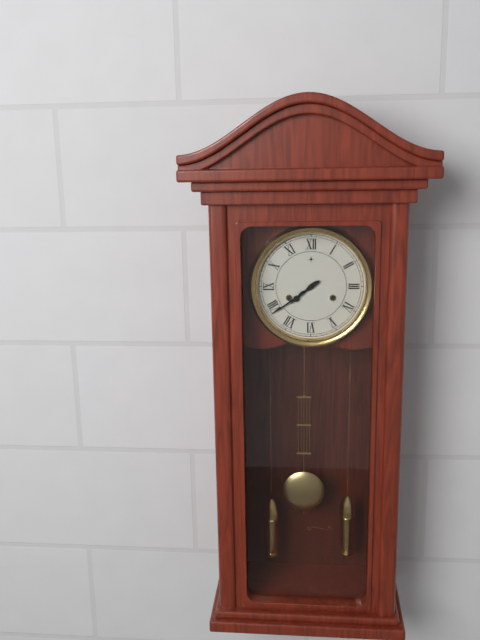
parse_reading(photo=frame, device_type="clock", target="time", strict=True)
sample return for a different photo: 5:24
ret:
7:39
